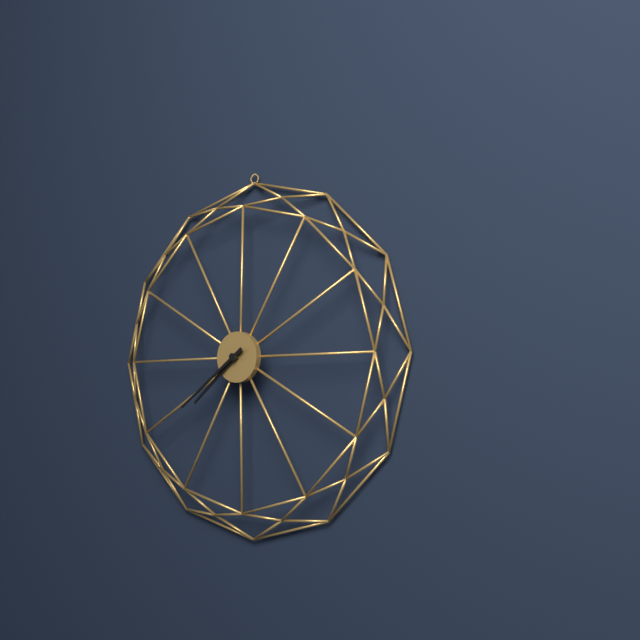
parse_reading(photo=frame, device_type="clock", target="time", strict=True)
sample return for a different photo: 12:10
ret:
7:39
